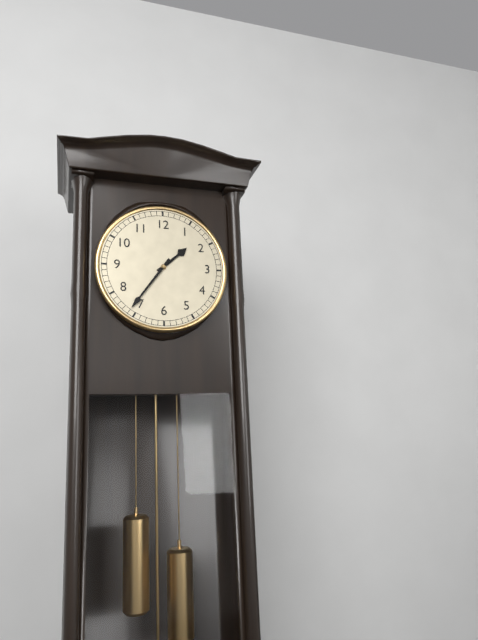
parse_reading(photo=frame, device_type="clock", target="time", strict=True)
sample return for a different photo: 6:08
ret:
1:36
